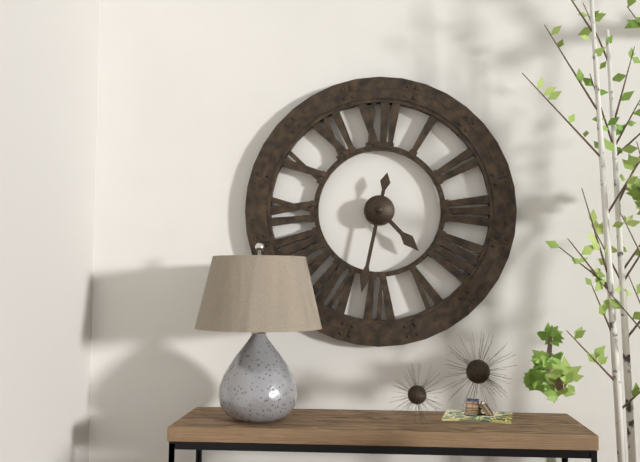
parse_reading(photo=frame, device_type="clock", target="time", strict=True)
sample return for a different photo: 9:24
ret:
4:32
